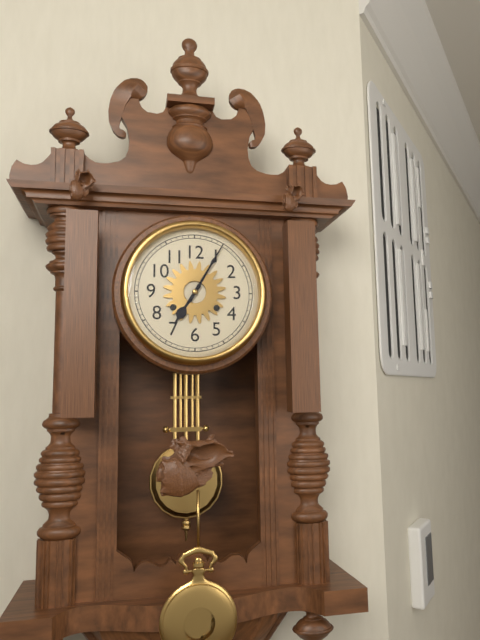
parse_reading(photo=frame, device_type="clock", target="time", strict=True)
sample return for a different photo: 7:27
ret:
7:05
